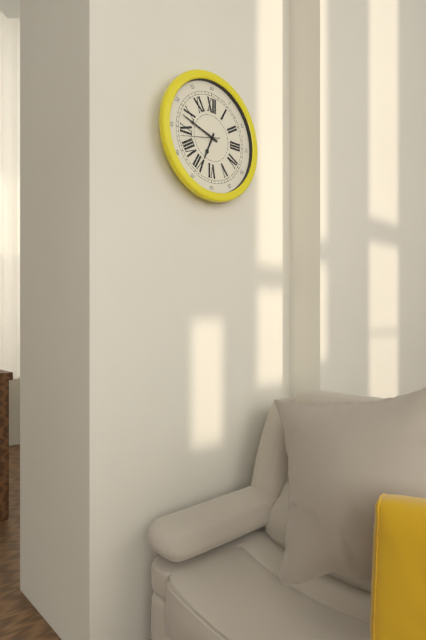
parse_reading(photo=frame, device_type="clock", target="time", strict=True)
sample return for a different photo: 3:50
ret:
6:48
